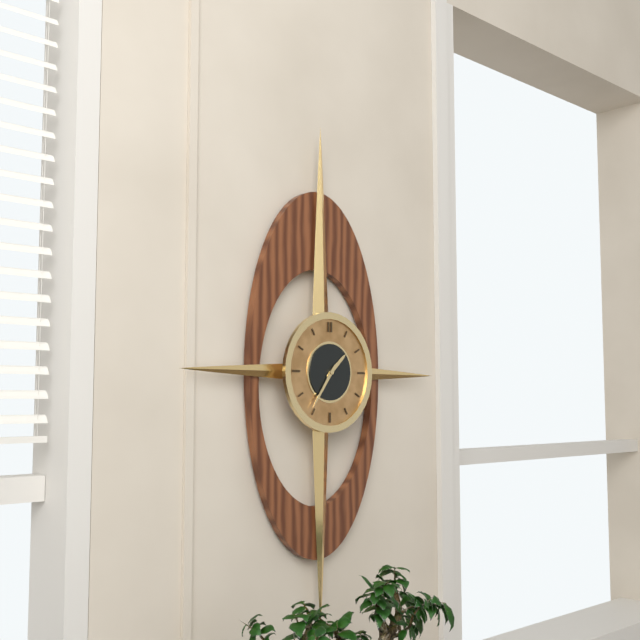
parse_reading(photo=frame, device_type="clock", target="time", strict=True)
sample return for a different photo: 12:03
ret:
1:36
